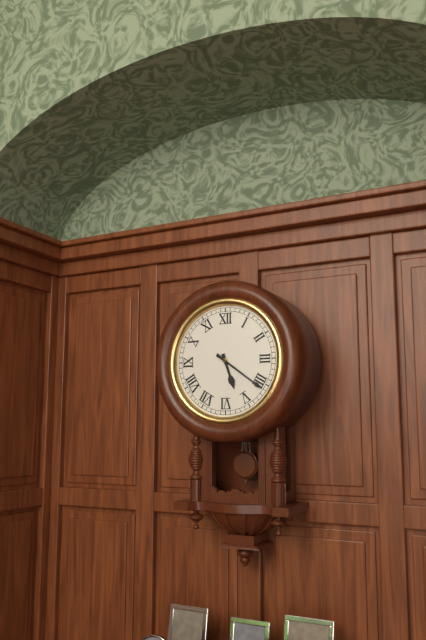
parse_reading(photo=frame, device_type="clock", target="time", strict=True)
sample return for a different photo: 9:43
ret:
5:21
